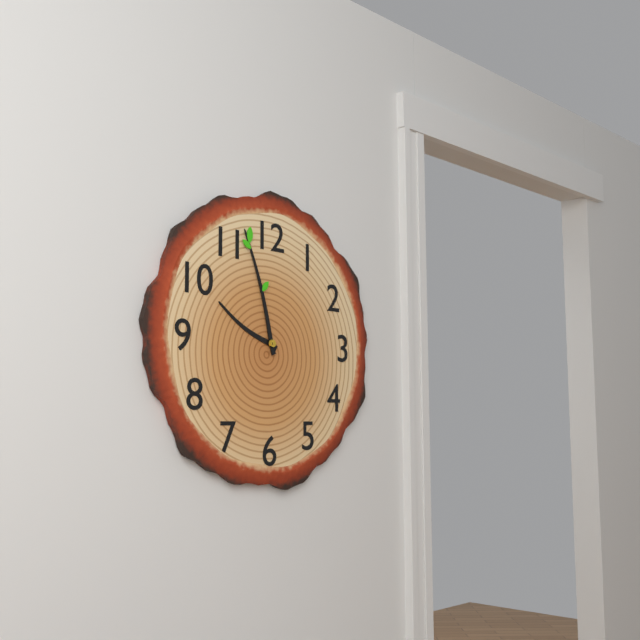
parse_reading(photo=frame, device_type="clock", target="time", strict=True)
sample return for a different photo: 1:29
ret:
9:57
